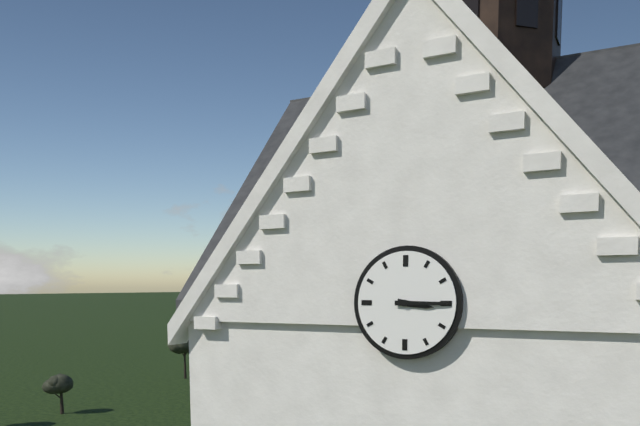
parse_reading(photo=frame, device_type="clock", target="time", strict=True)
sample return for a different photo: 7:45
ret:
3:15
